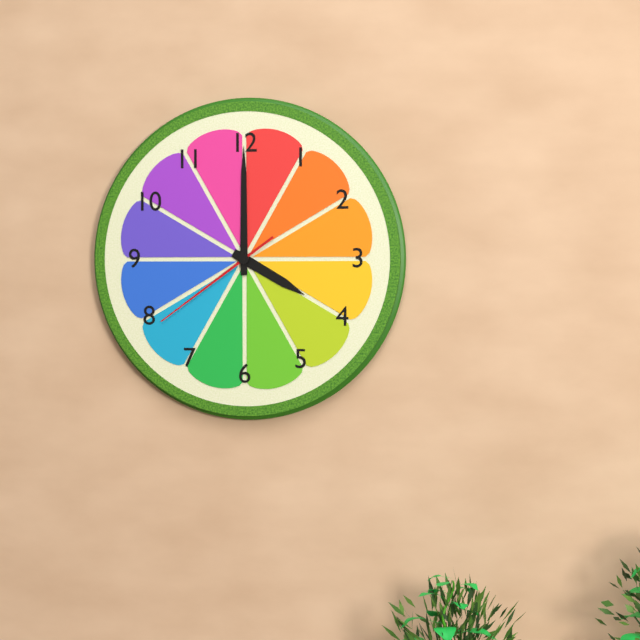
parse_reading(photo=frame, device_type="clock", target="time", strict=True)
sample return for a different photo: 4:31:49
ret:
4:00:39
